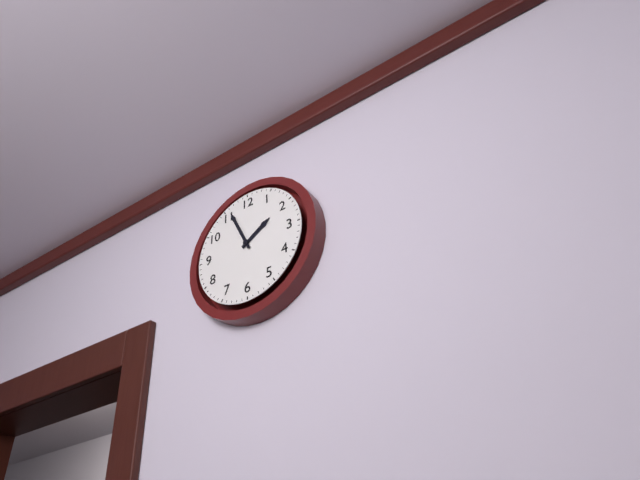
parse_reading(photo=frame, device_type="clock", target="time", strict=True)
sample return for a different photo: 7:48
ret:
1:56
